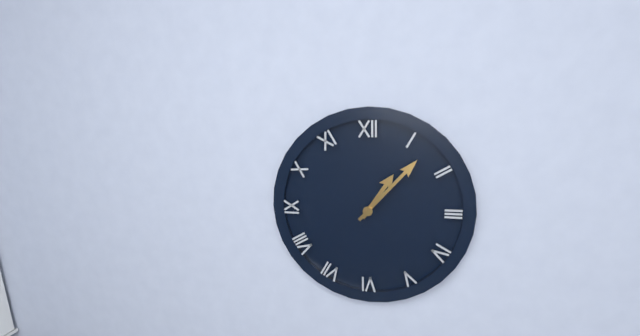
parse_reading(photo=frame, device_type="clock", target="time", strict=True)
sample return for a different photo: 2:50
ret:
1:07
